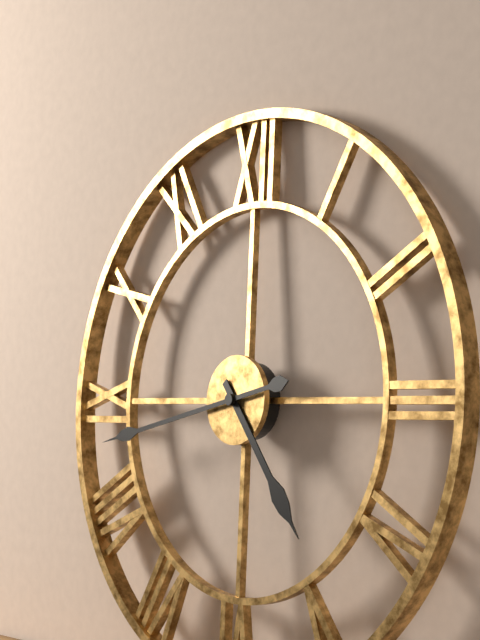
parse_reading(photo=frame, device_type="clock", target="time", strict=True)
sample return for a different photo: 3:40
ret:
4:43
